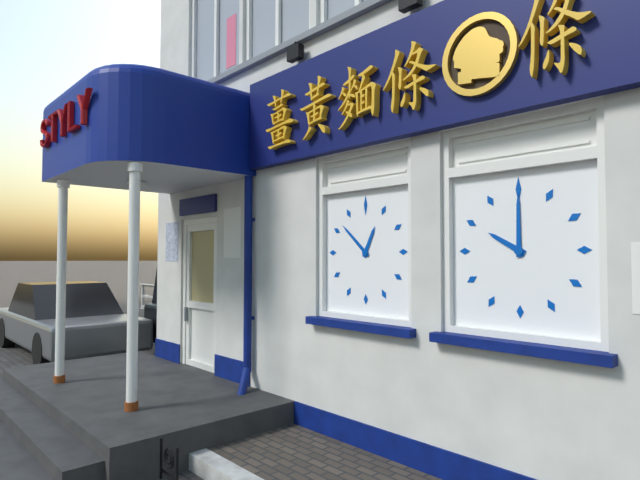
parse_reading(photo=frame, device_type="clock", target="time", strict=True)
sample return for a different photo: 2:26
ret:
12:52
